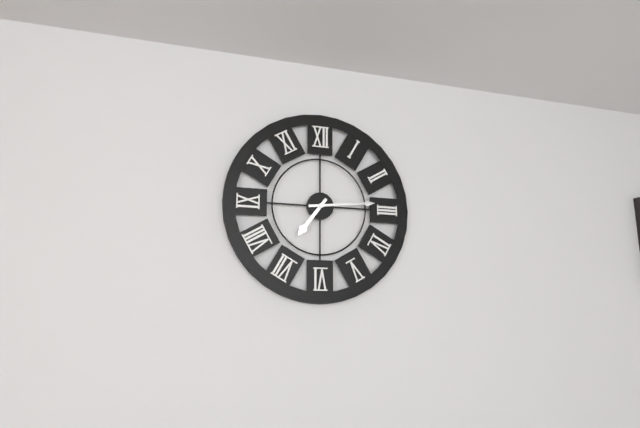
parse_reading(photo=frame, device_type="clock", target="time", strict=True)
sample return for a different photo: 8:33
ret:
7:14
